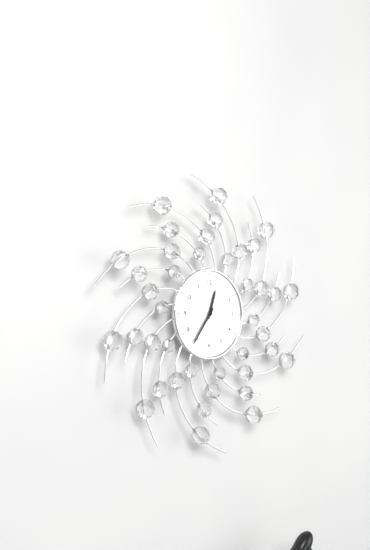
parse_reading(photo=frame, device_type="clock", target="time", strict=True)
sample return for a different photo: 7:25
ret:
12:36
